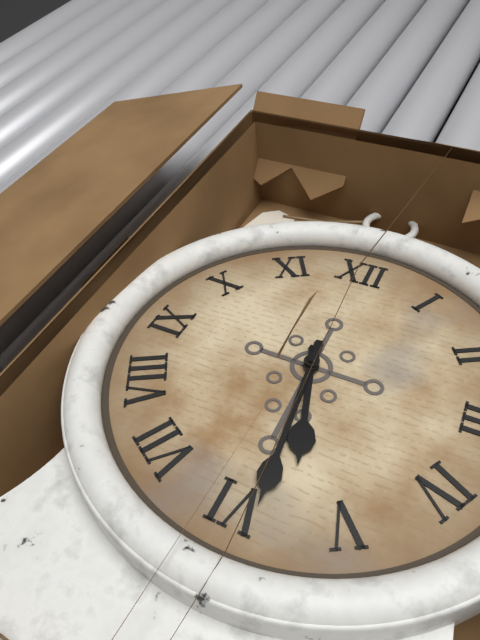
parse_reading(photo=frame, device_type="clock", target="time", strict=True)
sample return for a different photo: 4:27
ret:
5:29
